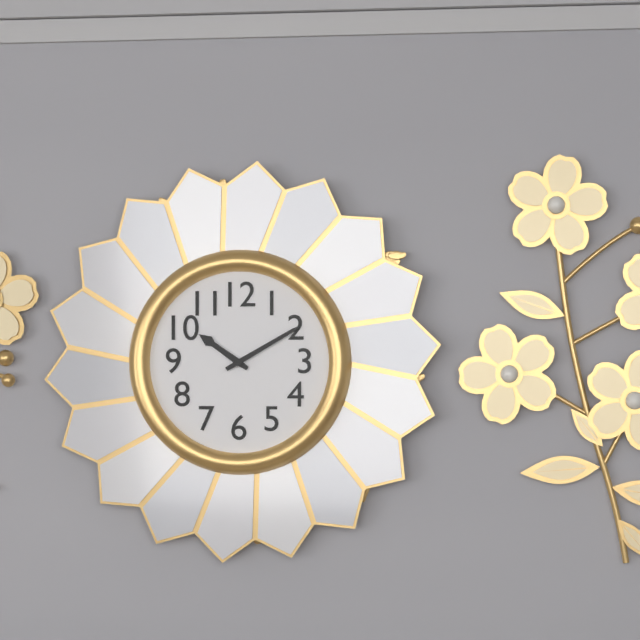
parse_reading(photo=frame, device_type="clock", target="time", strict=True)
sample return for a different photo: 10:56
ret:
10:10
